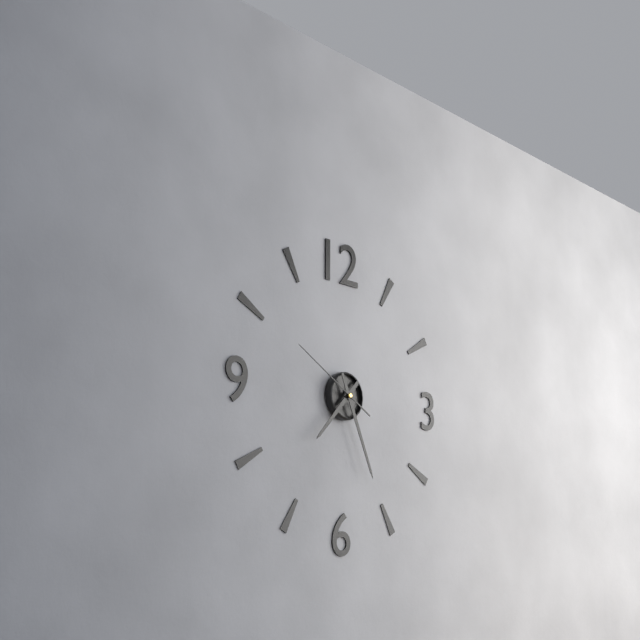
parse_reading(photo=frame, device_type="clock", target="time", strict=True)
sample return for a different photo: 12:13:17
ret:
7:26:50
